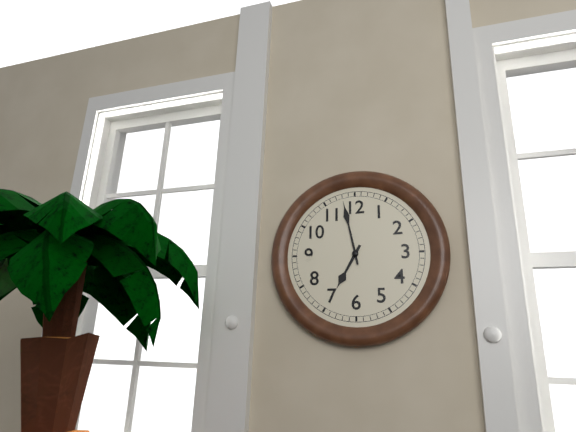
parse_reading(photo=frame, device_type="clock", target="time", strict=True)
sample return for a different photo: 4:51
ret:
6:58
